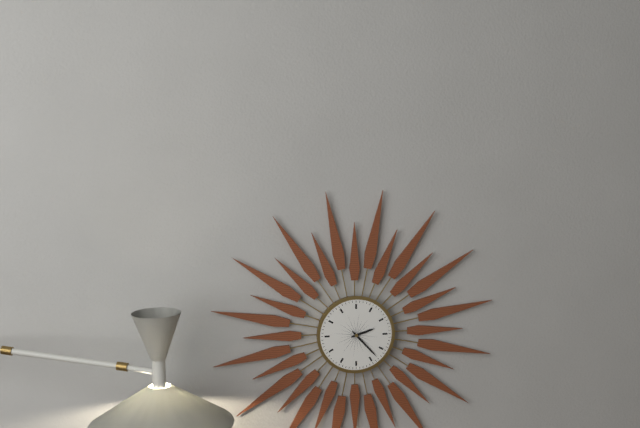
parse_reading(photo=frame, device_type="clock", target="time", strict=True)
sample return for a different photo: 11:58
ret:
2:23
